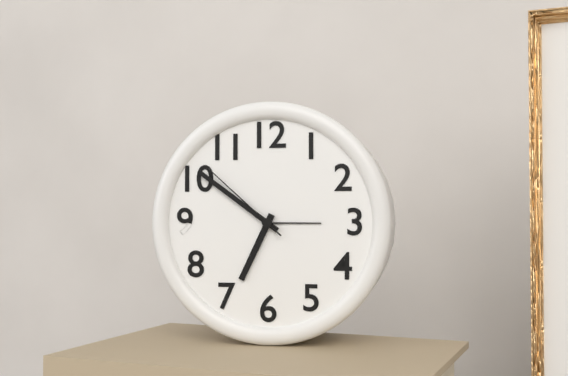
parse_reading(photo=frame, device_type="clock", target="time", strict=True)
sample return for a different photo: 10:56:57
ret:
6:51:52
